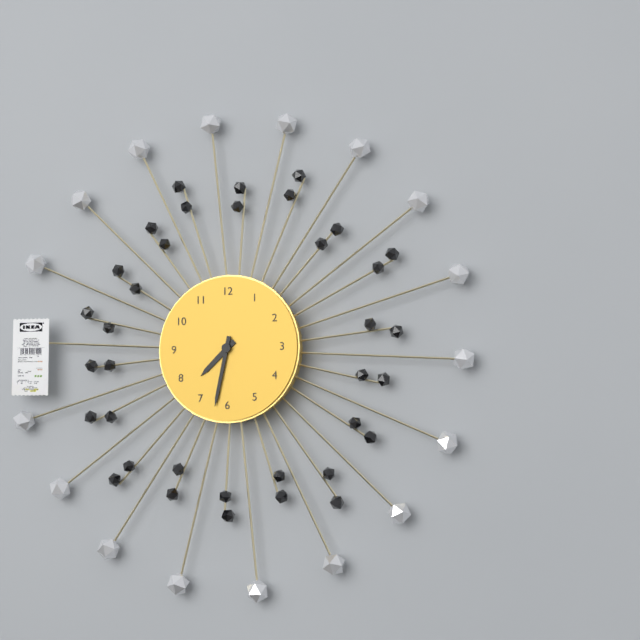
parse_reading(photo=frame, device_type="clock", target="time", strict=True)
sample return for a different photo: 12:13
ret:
7:32
